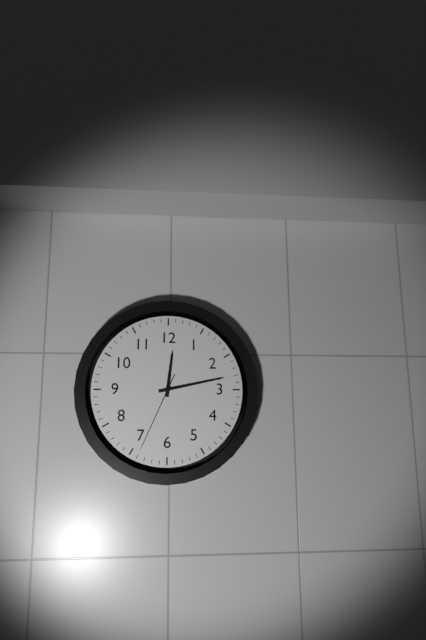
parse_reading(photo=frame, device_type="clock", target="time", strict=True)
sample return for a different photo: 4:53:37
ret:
12:13:34
